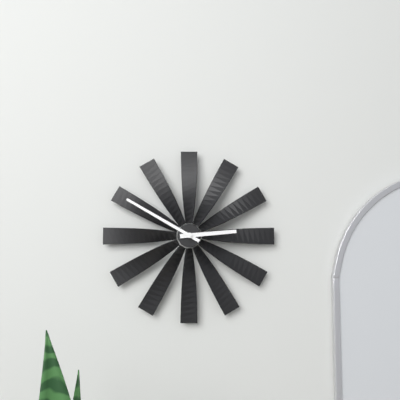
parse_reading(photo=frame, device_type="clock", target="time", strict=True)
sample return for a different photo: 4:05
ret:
2:50
